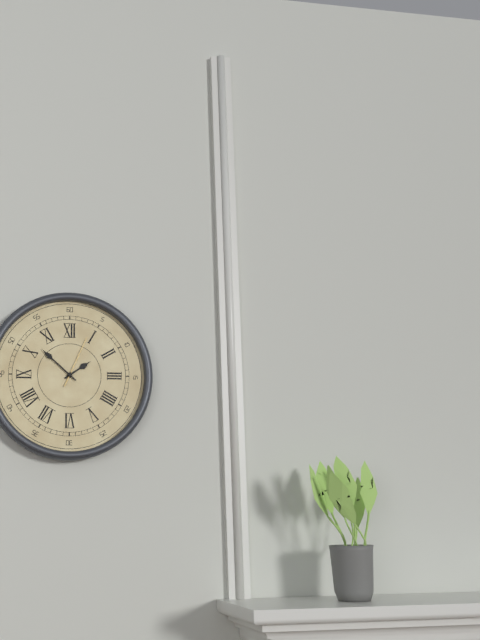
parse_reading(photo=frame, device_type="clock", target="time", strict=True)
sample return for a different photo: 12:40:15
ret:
1:52:04
